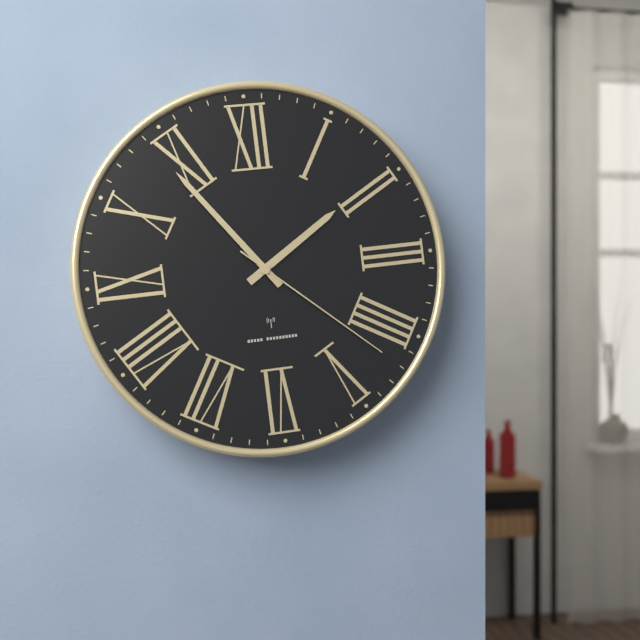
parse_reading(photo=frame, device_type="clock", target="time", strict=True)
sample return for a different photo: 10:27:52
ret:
1:54:22
